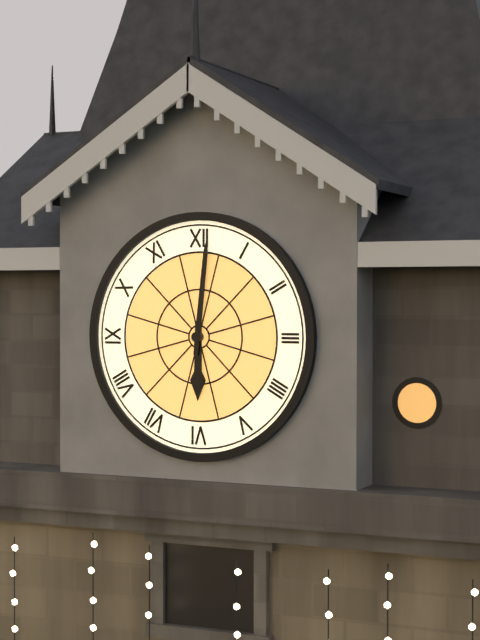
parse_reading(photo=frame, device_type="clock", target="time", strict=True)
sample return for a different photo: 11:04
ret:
6:01
